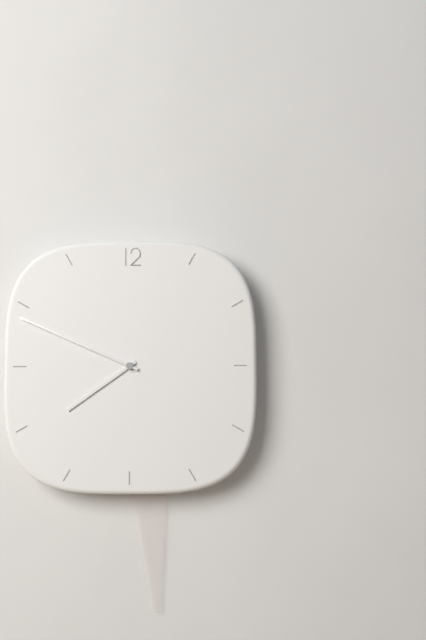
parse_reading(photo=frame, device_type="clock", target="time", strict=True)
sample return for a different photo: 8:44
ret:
7:49
